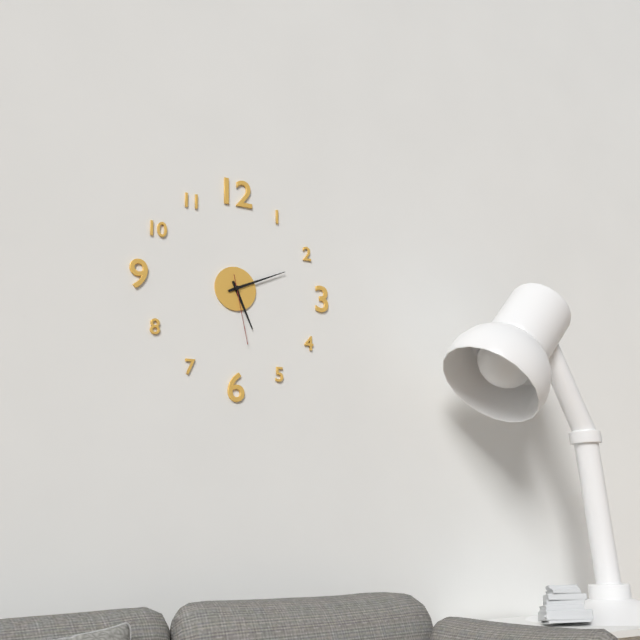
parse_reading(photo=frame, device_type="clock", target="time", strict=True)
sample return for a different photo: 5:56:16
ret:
5:11:28
